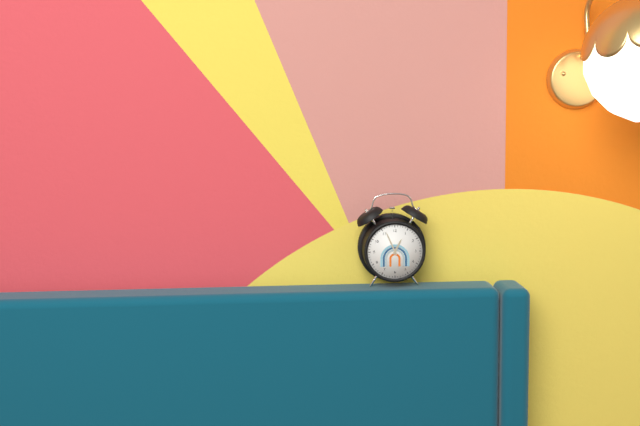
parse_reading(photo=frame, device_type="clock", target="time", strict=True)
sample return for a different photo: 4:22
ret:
12:56
